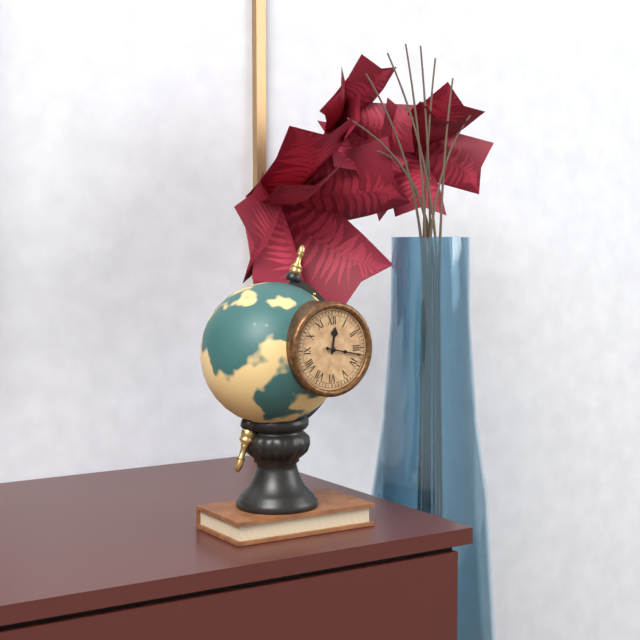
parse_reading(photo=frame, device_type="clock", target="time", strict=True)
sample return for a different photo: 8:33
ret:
12:17
